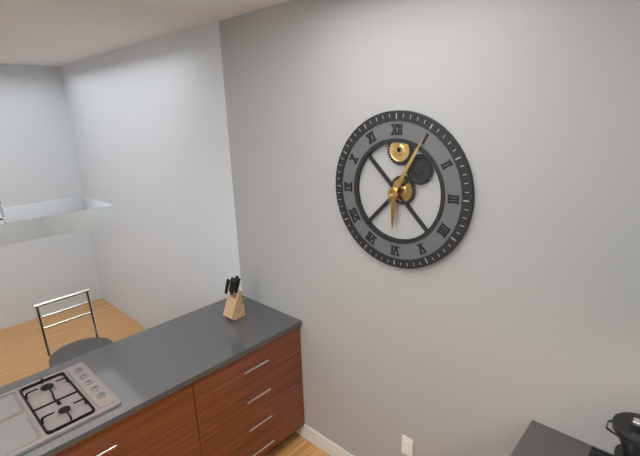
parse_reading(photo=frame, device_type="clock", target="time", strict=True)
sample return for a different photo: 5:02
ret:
6:05
